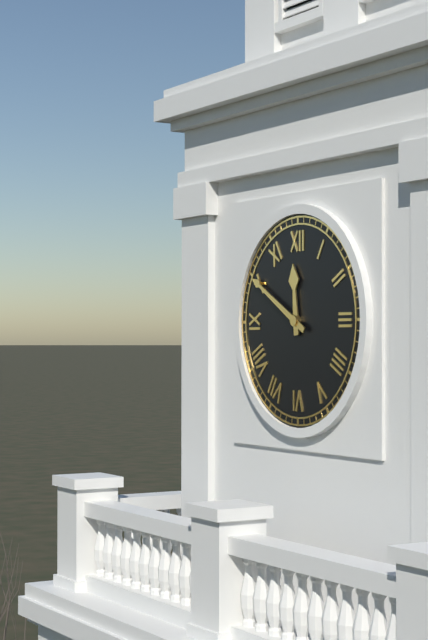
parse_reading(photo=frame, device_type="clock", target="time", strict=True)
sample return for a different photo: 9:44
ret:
11:50
